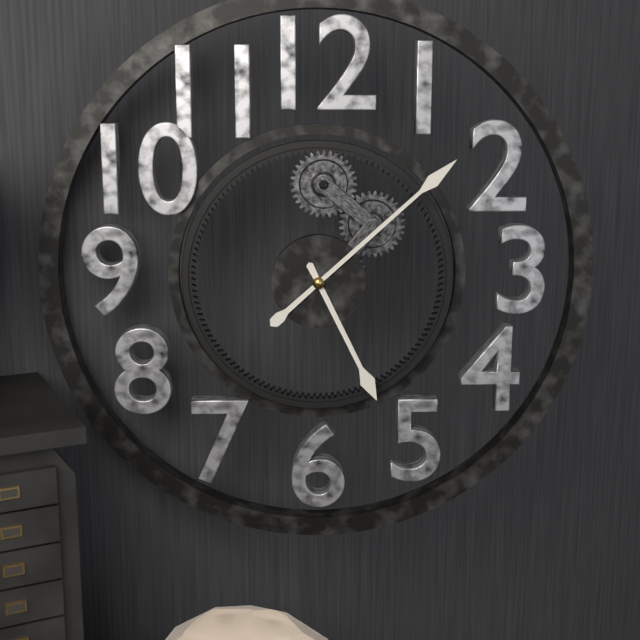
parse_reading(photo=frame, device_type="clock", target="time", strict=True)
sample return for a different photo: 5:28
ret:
5:08
